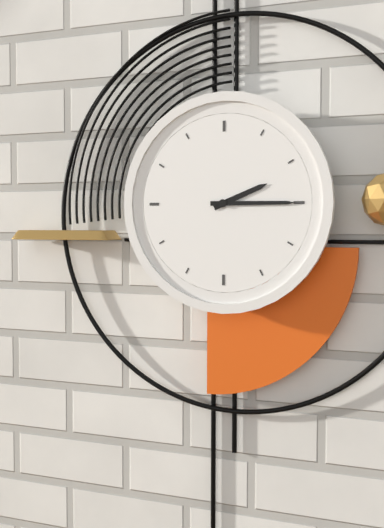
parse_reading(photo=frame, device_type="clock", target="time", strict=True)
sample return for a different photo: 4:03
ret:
2:15
